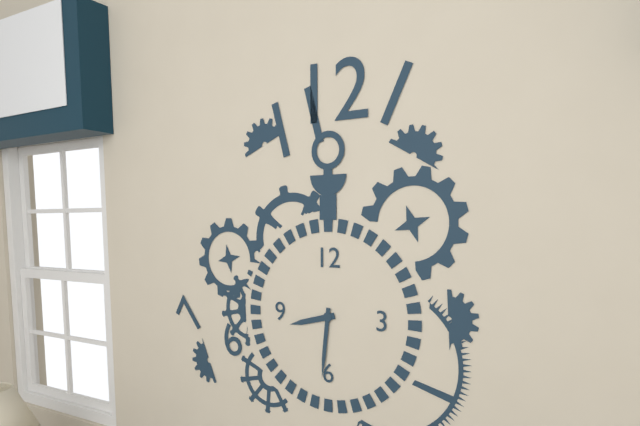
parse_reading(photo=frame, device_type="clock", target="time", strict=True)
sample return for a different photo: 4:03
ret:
8:31
